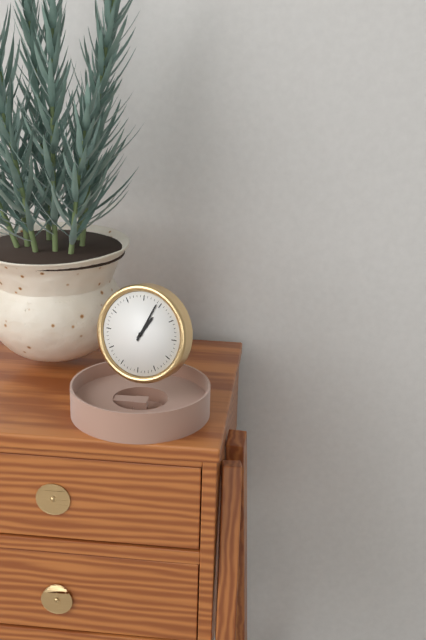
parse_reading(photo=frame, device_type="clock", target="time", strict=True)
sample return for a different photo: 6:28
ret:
1:04
